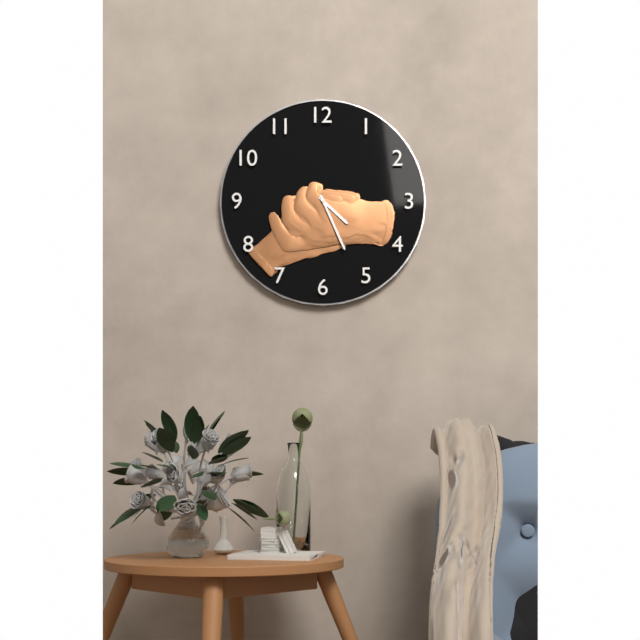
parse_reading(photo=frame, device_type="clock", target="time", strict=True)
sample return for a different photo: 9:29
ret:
4:26
